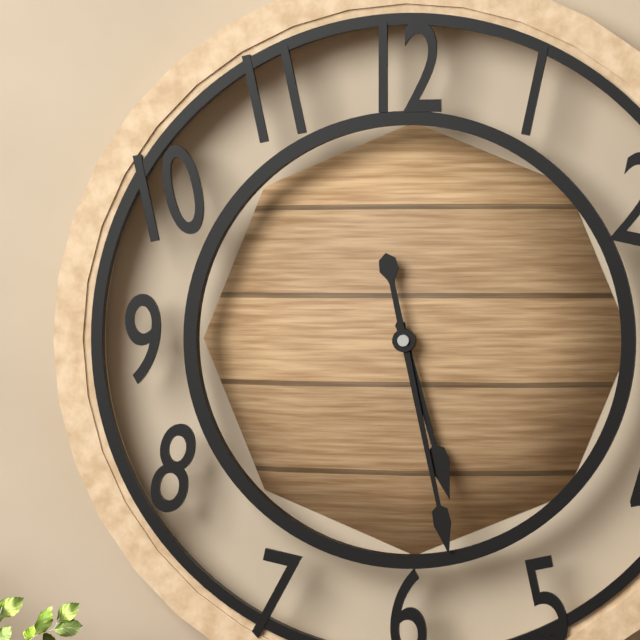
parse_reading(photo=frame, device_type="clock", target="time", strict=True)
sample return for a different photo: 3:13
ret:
5:28
